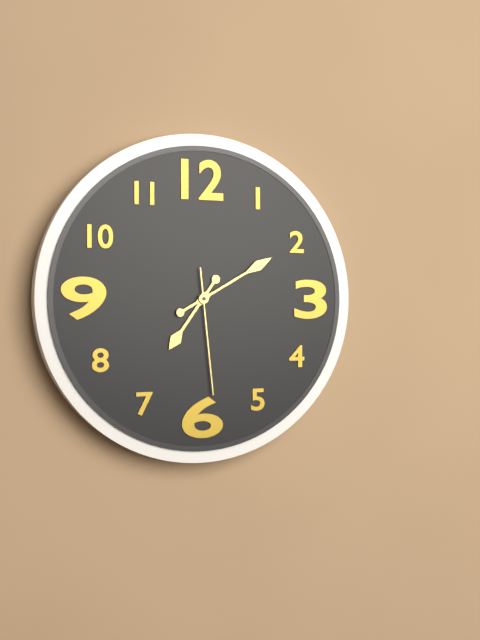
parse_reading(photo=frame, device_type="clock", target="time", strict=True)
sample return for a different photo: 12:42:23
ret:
7:10:29
